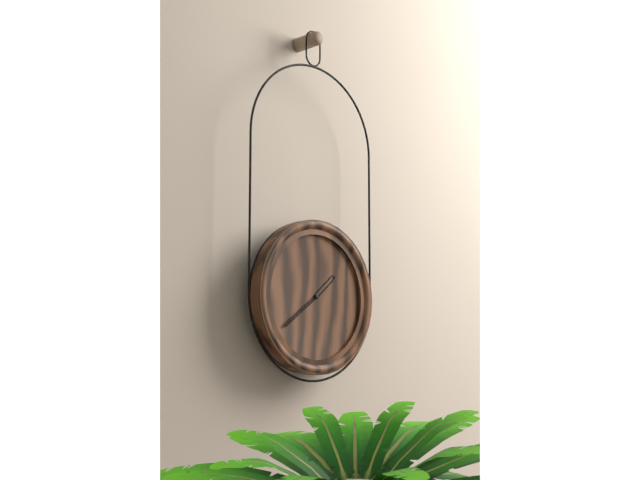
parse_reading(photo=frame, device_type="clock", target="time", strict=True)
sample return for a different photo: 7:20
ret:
1:39
